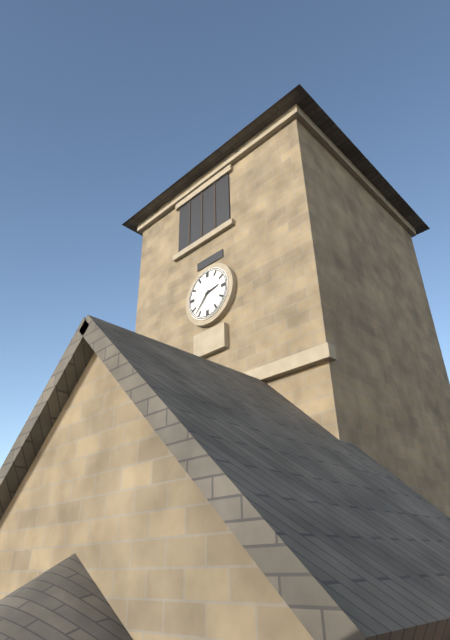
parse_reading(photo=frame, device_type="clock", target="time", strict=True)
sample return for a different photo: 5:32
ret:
2:37
